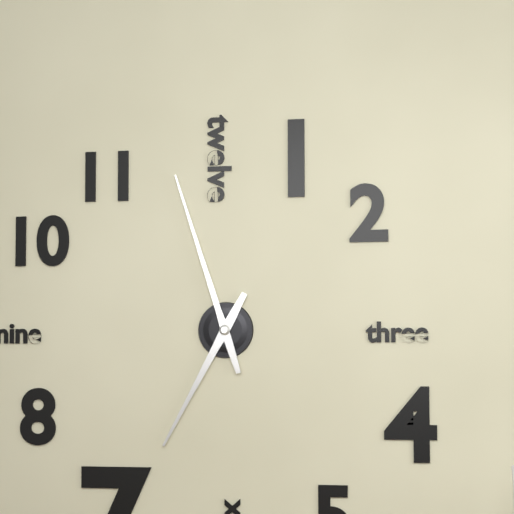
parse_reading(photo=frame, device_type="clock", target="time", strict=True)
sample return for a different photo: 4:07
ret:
6:57
